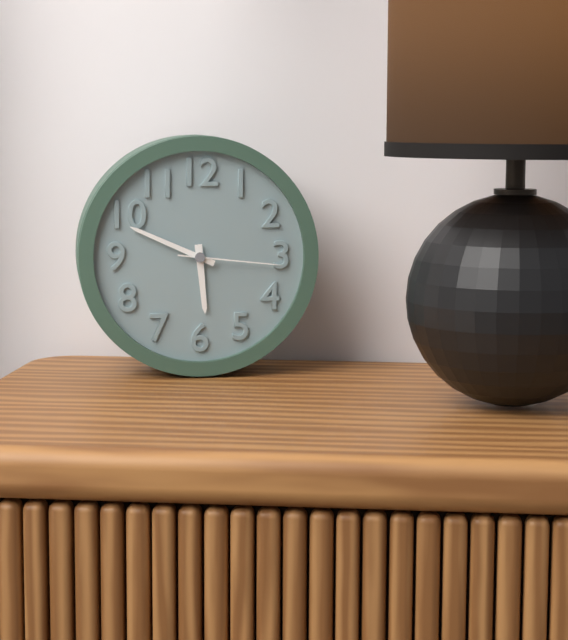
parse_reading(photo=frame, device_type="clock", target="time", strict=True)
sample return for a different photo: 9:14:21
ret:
5:49:16
